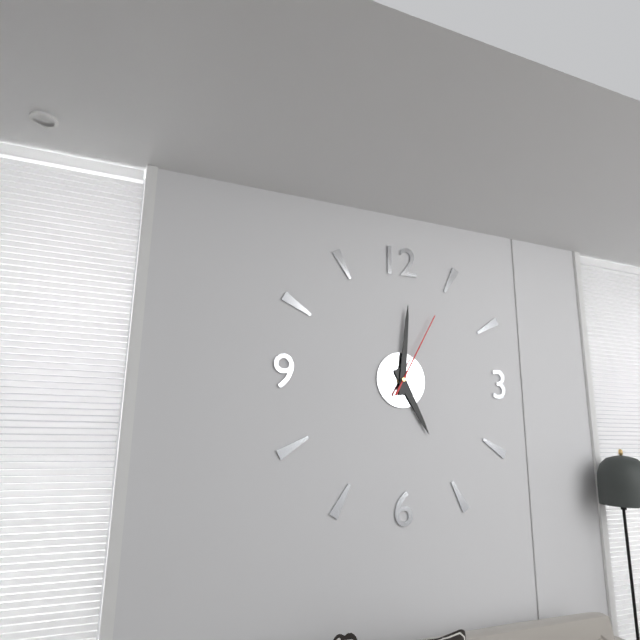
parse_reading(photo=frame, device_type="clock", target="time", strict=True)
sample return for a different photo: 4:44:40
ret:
5:01:05
